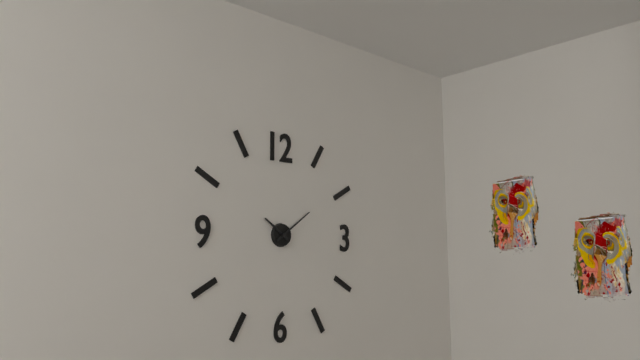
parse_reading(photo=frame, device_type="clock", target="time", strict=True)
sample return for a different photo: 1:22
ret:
10:09
